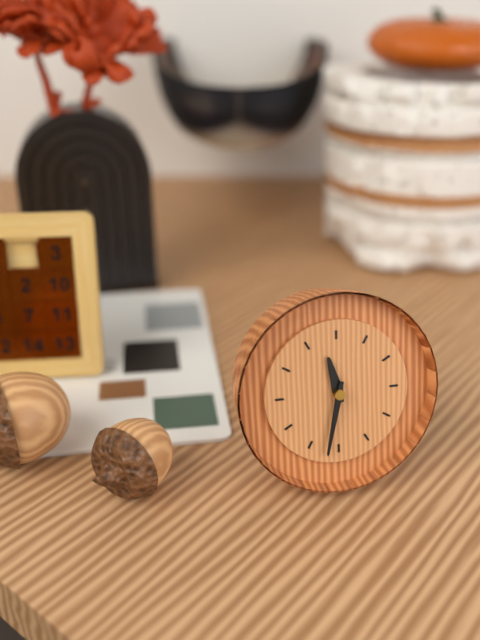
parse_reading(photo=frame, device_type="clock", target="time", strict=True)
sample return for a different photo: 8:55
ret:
11:32
